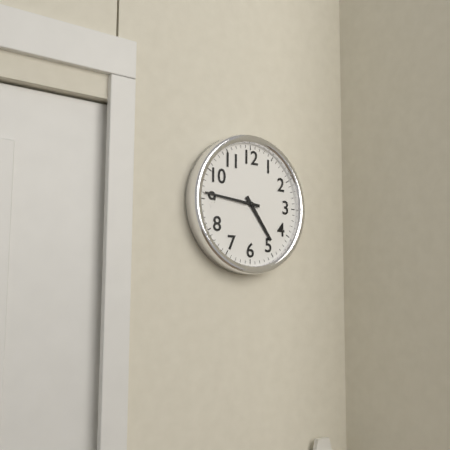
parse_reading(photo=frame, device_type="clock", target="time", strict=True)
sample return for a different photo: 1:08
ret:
4:46
